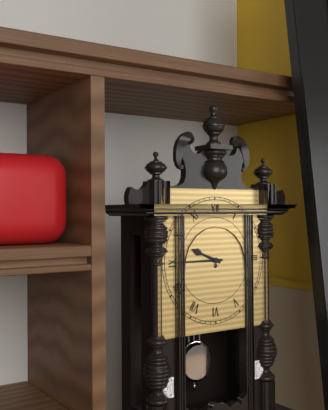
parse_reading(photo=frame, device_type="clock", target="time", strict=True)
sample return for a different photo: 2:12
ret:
9:45
